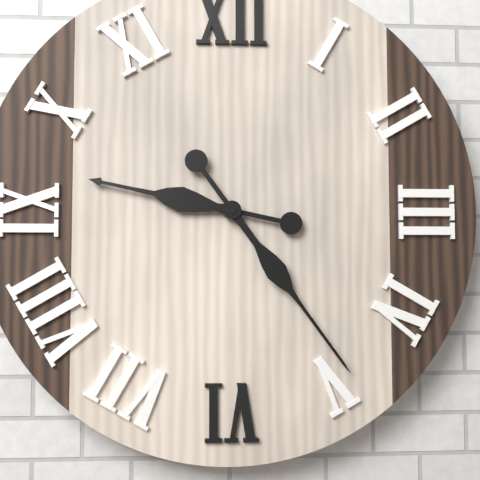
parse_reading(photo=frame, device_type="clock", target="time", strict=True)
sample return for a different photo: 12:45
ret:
9:24
